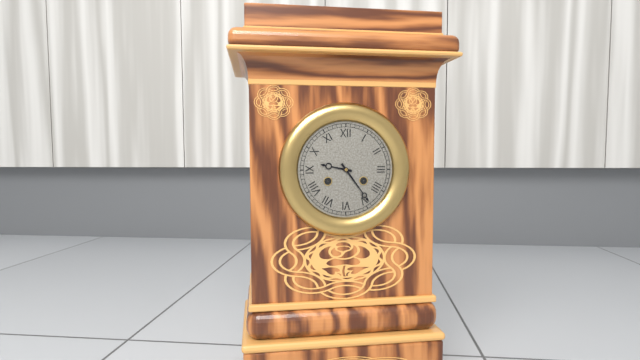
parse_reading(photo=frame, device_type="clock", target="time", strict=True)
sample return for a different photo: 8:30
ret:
9:24
